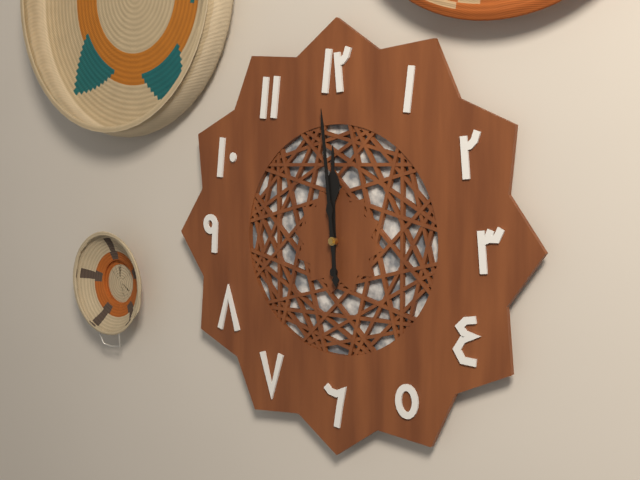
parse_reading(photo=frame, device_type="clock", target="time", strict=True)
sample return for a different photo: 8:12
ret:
11:59
